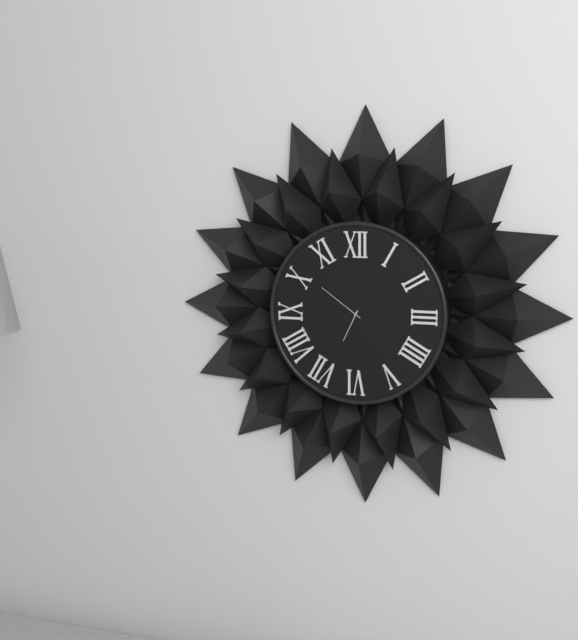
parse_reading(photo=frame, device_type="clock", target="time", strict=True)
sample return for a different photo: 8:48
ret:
6:51
